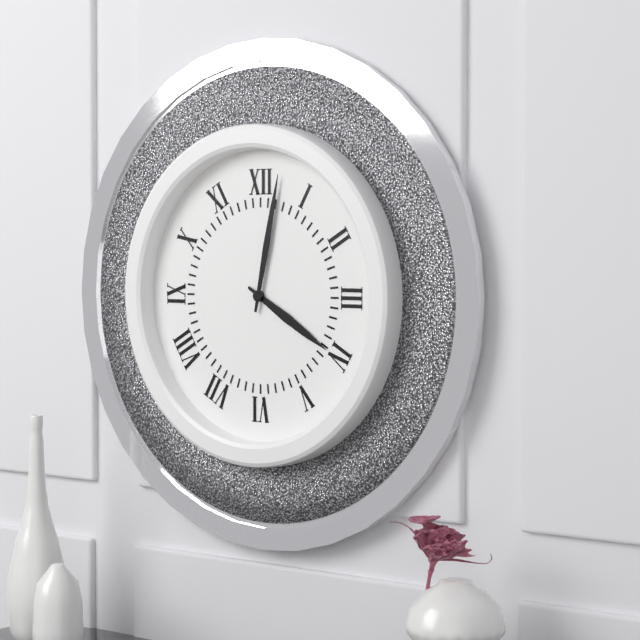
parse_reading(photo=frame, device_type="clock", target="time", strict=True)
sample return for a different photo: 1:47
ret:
4:02
